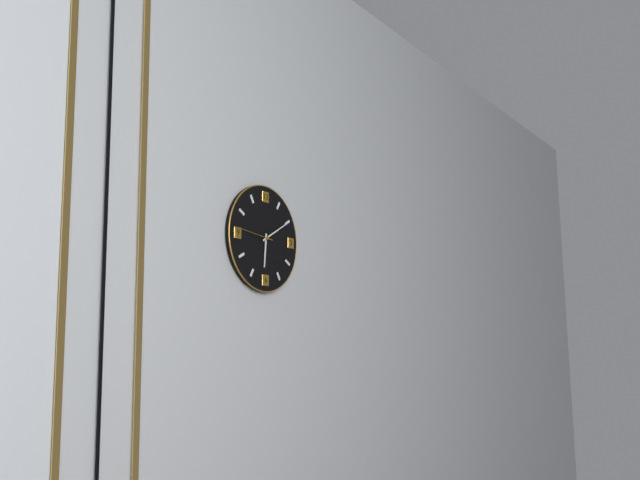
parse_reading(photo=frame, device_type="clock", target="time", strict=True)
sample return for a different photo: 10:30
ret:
6:10
